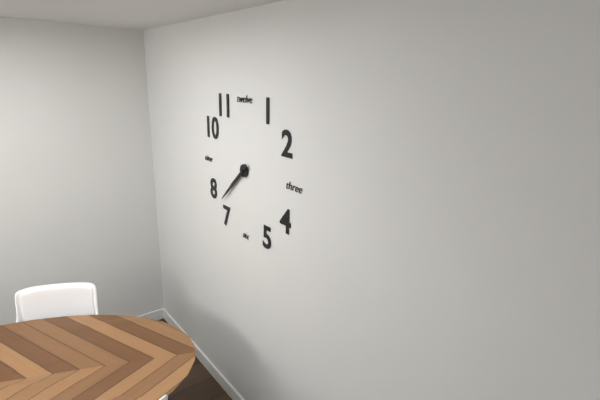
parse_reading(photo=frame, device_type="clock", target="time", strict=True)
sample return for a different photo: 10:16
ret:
7:38
